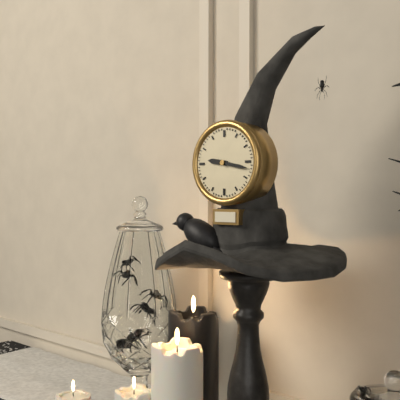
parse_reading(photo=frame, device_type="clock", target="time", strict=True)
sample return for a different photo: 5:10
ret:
9:17
